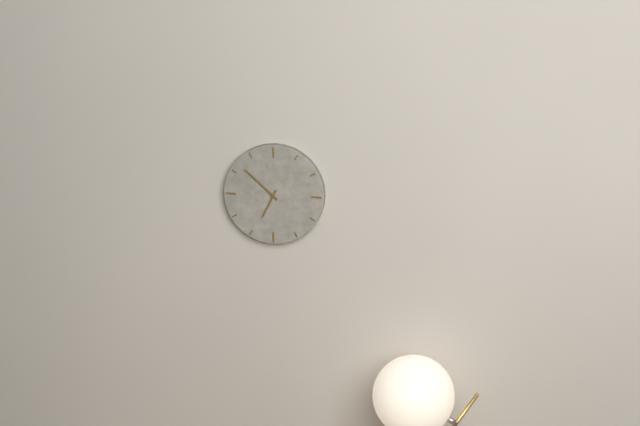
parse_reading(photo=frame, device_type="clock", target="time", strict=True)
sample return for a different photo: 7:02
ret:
6:52
